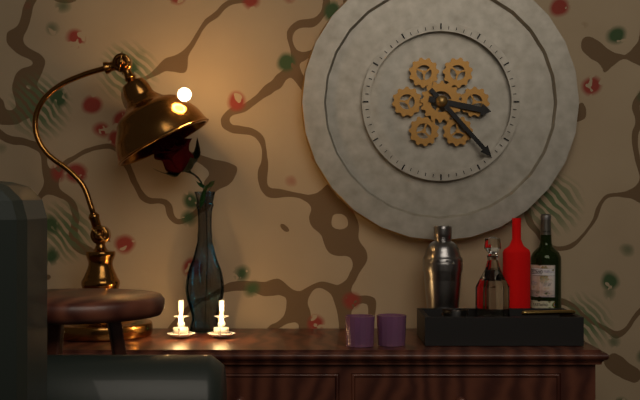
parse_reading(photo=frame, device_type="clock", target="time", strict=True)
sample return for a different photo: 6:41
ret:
3:23
